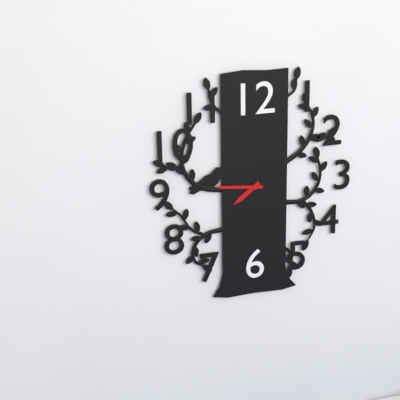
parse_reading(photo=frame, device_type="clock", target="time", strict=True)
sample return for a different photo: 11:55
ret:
7:46
